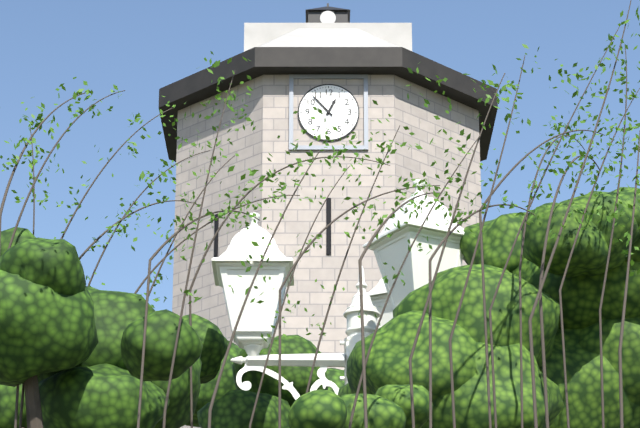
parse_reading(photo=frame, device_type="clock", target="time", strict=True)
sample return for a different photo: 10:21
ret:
12:53
